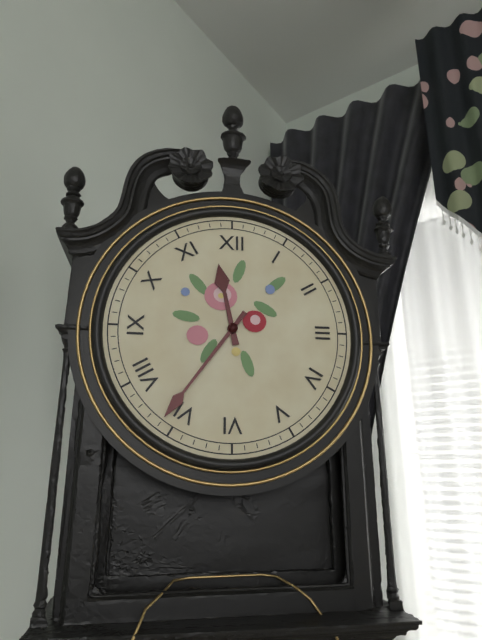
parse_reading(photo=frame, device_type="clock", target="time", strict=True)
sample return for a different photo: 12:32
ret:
11:36
